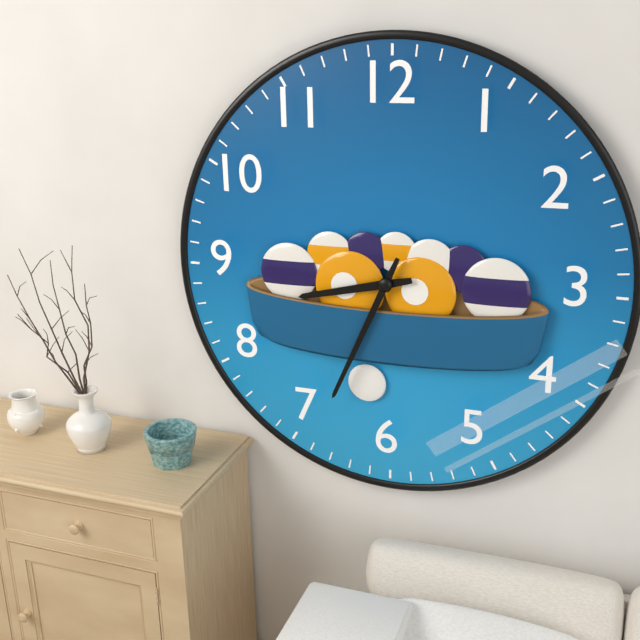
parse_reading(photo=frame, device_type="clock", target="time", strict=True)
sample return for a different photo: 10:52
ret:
8:34
